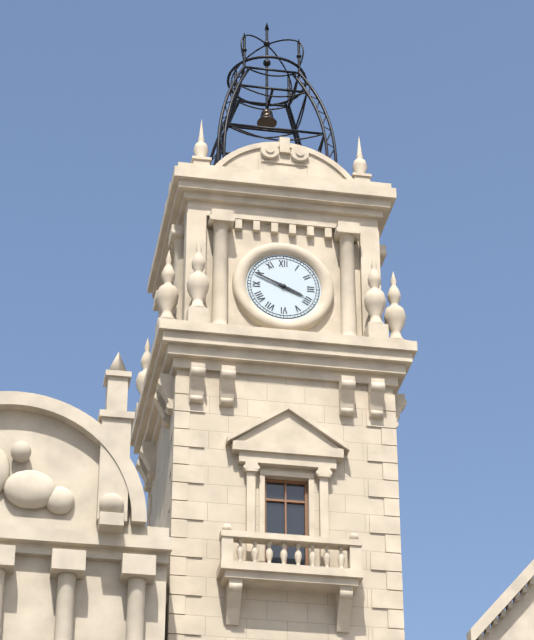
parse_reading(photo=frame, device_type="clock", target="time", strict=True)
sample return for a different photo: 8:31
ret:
3:49
